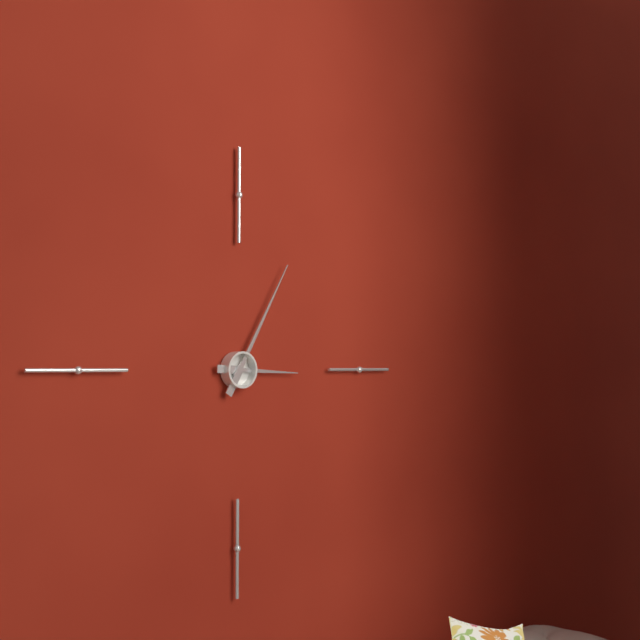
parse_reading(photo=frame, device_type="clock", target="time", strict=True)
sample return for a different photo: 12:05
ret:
3:05
